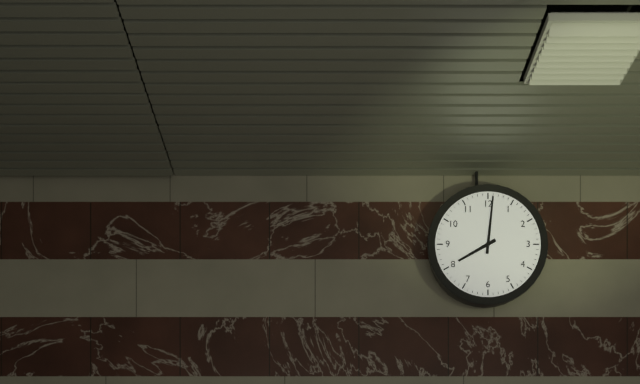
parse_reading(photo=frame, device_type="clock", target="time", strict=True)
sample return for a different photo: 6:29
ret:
8:01
